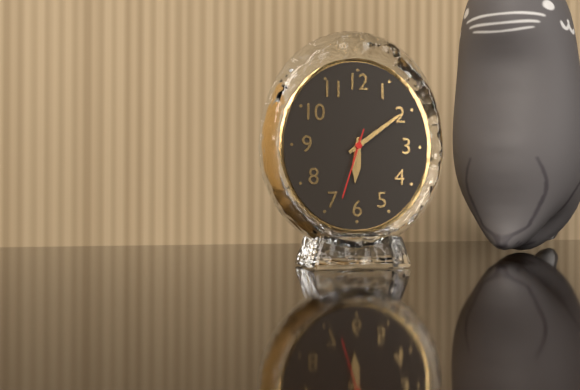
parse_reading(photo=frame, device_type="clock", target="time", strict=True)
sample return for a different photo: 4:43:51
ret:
6:09:33
